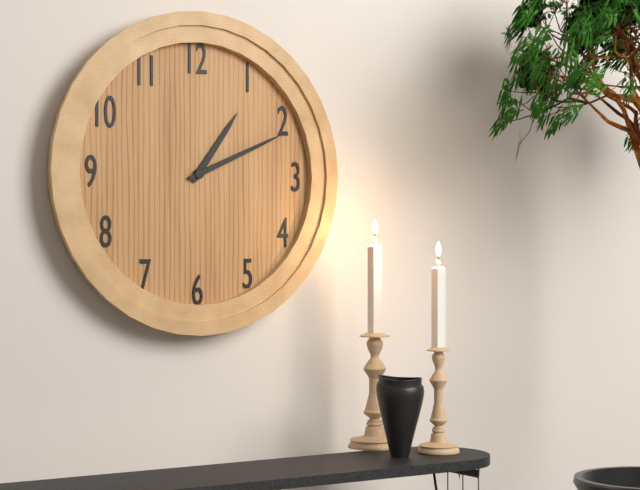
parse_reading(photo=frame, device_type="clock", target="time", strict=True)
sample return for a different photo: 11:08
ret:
1:11
